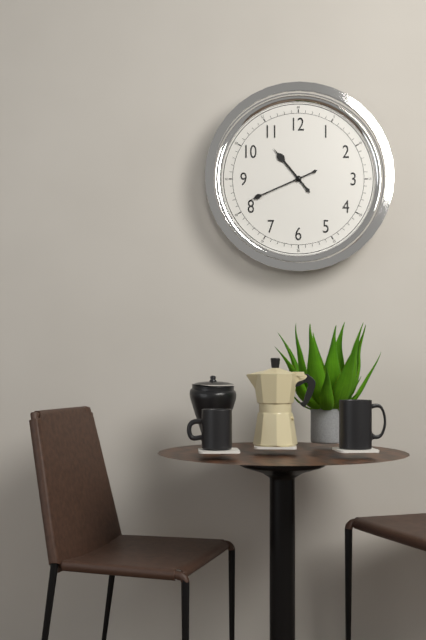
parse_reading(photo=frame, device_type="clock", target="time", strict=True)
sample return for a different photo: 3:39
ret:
10:41
